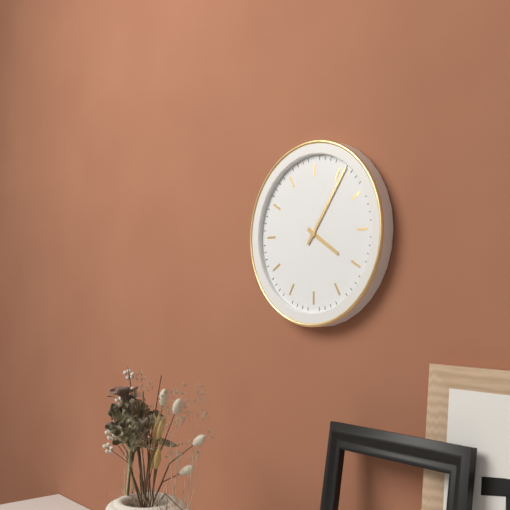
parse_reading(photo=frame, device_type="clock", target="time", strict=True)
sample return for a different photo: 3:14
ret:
4:06
